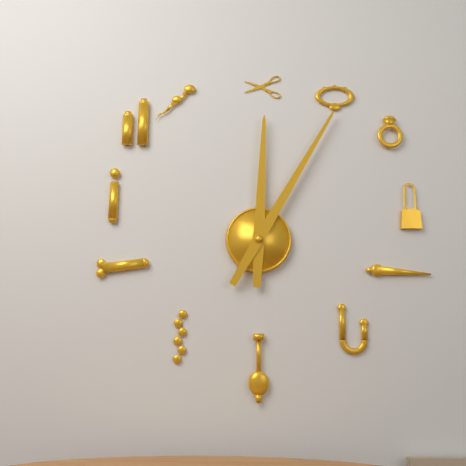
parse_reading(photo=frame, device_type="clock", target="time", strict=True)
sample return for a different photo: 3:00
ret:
12:05
